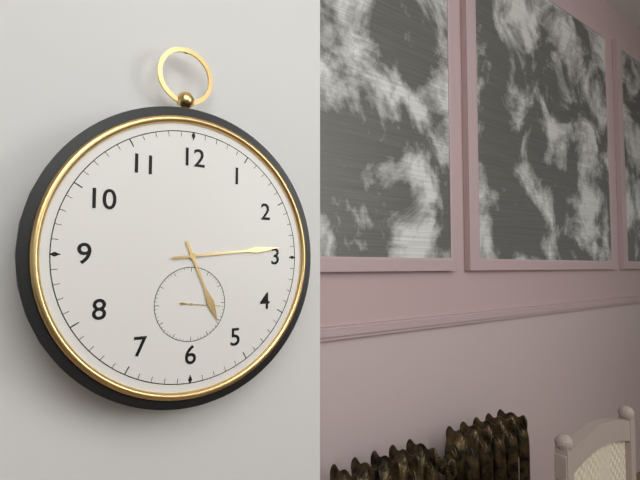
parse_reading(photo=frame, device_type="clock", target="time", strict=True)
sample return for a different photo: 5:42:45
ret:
5:14:16
